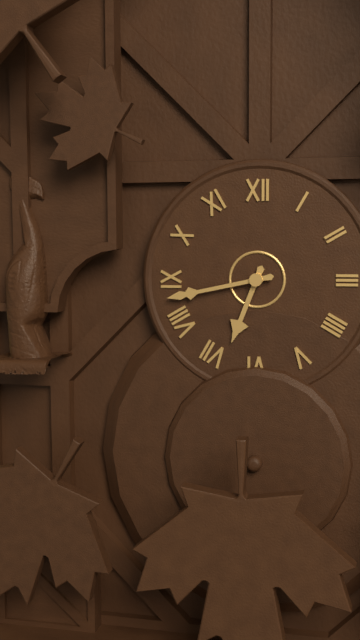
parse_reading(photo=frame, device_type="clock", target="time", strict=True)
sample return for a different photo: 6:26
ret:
6:43
